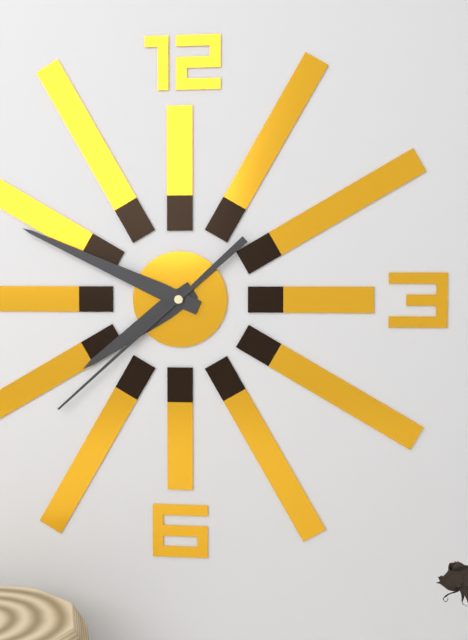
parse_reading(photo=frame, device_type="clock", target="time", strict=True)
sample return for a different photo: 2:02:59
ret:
7:49:38
